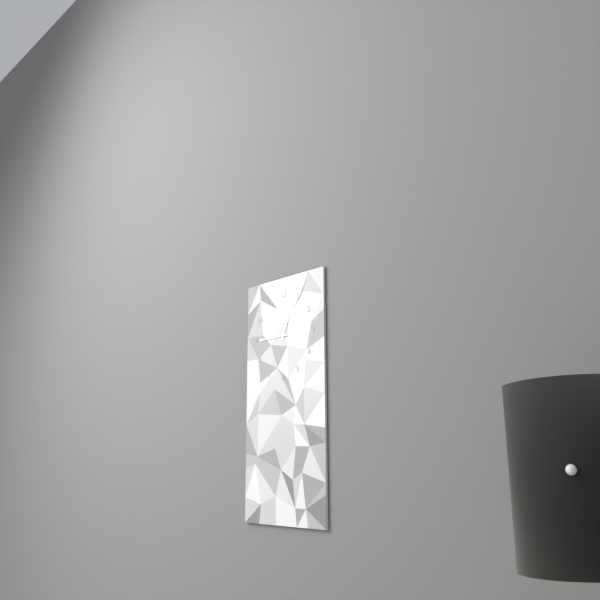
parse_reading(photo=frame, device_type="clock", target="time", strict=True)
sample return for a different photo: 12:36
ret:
12:45
